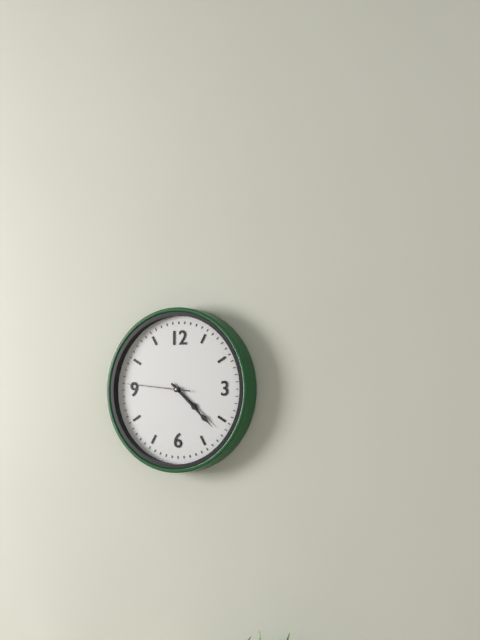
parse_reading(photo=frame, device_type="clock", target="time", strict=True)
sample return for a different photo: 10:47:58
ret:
4:22:46
